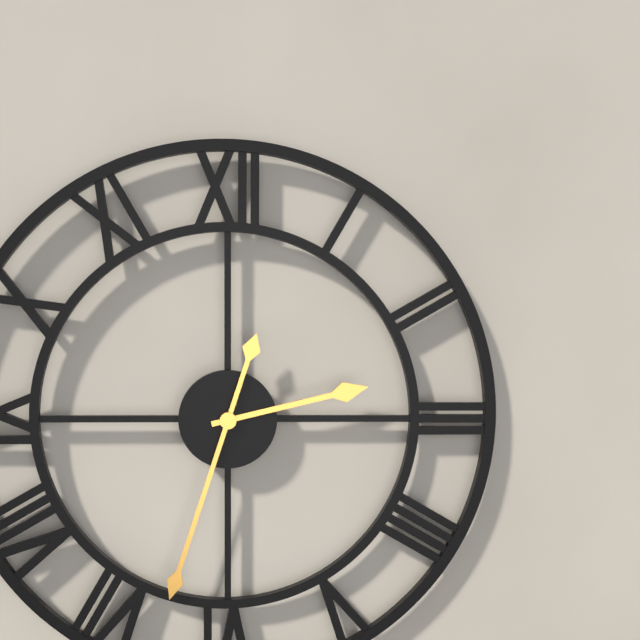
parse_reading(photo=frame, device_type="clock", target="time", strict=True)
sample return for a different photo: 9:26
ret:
2:33
